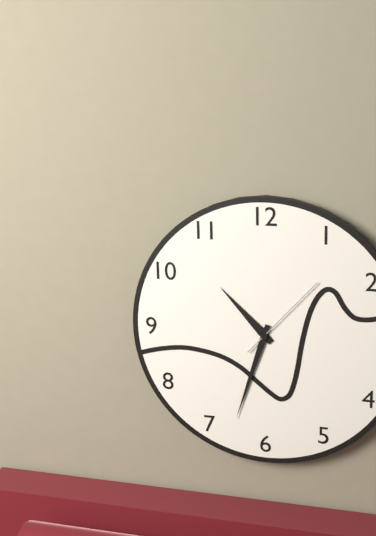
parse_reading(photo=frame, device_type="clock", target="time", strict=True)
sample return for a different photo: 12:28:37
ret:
10:33:07
